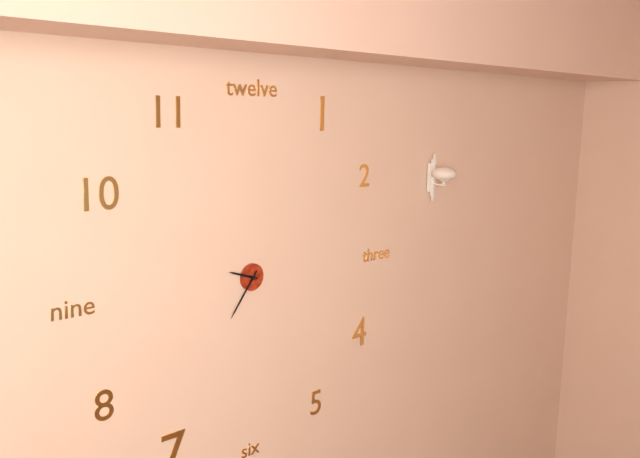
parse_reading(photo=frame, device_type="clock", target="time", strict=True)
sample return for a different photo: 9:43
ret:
9:36
